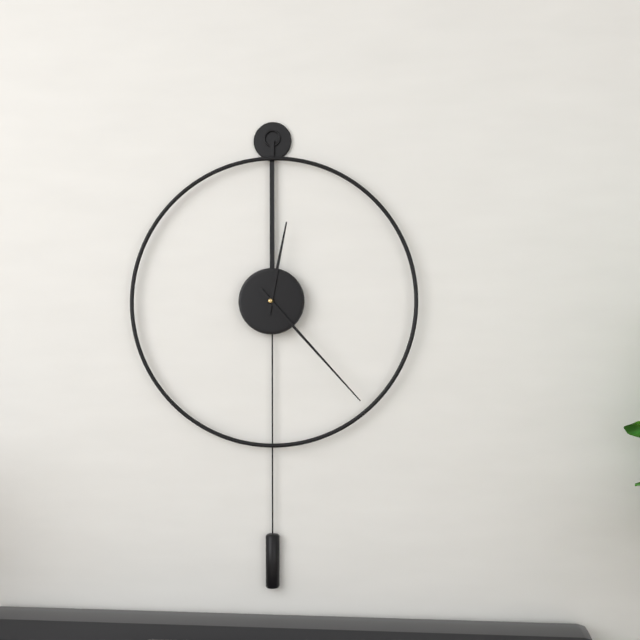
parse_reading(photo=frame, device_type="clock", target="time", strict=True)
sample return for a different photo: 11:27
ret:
12:23
